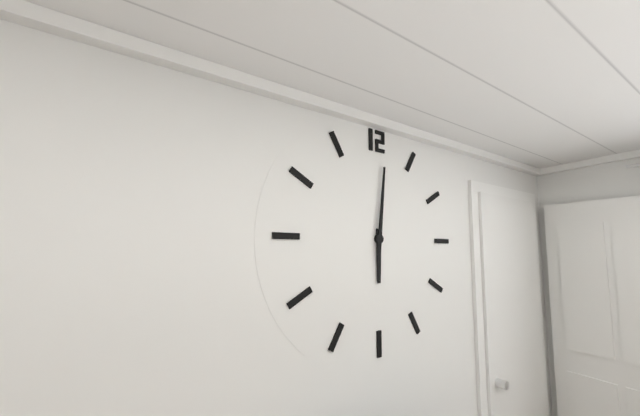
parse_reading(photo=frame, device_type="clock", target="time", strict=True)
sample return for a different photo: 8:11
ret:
6:01
